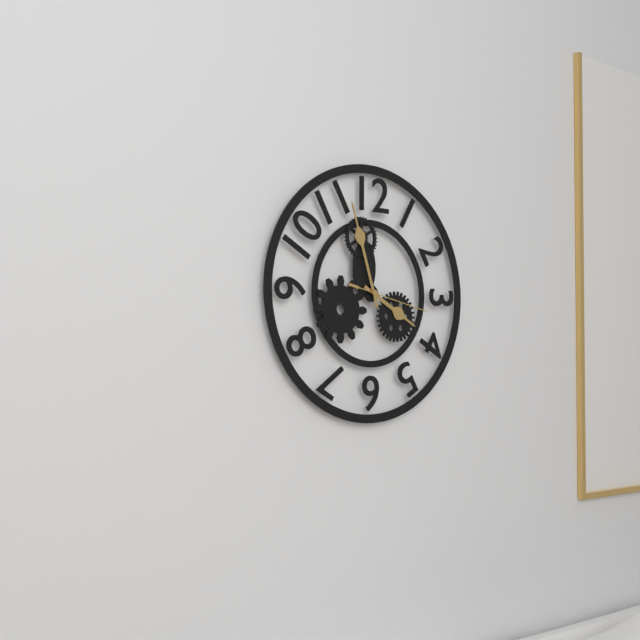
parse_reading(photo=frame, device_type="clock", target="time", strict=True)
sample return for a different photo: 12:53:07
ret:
3:57:17
